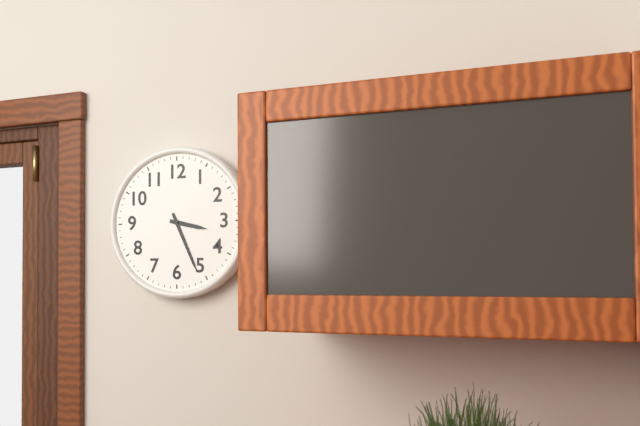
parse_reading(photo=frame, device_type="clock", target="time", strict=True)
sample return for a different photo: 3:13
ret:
3:26
